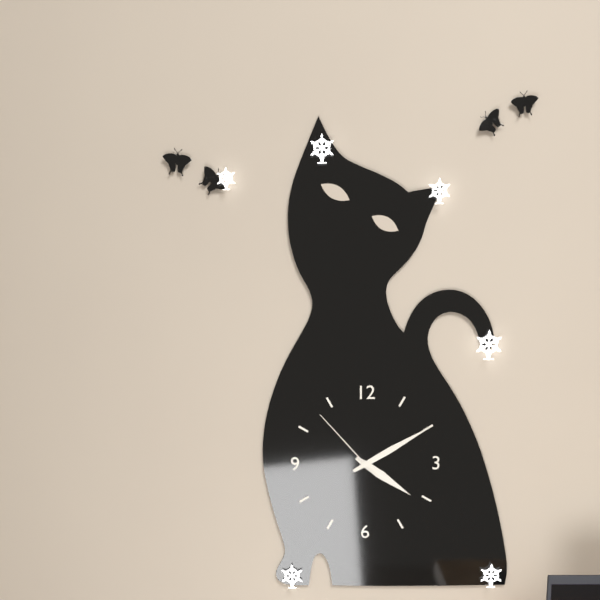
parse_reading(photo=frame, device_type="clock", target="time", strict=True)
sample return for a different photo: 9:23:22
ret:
4:10:53
